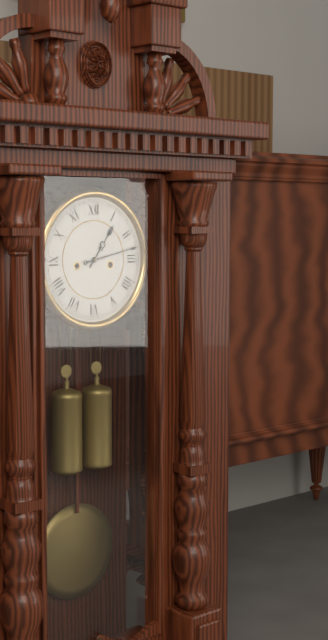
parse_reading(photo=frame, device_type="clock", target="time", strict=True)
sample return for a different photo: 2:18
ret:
1:13
